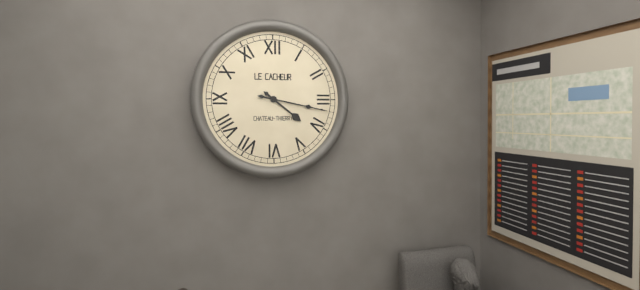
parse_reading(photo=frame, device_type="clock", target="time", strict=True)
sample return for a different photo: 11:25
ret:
4:17
